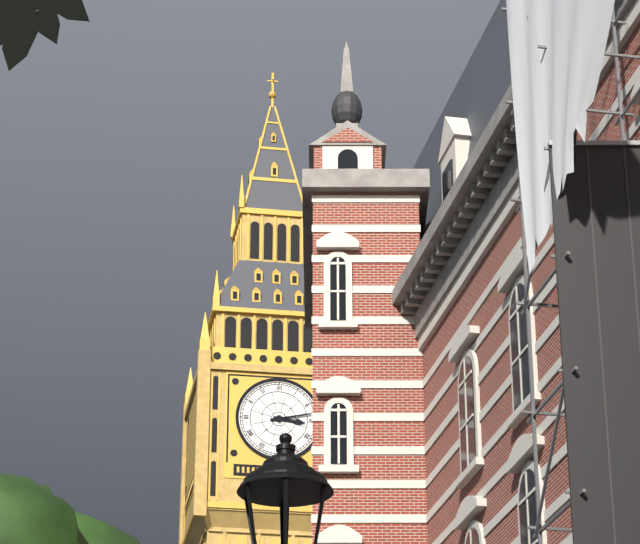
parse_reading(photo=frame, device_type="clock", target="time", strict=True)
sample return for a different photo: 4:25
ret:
3:13
